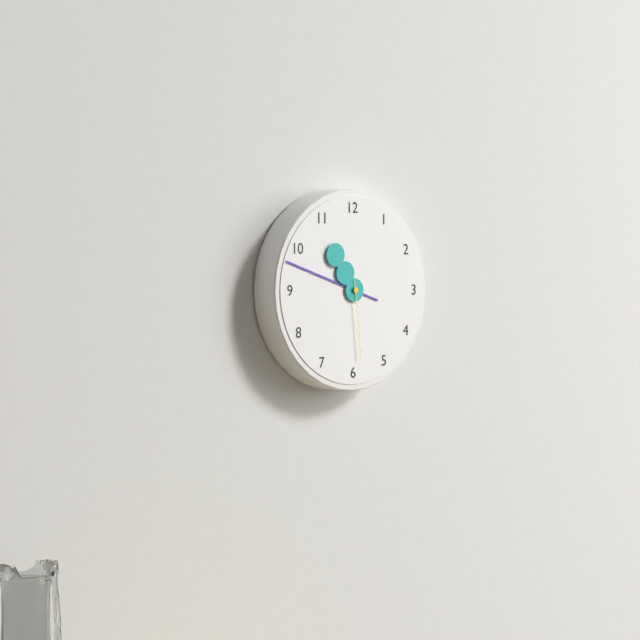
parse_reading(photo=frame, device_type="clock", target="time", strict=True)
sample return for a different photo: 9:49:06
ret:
10:48:29
